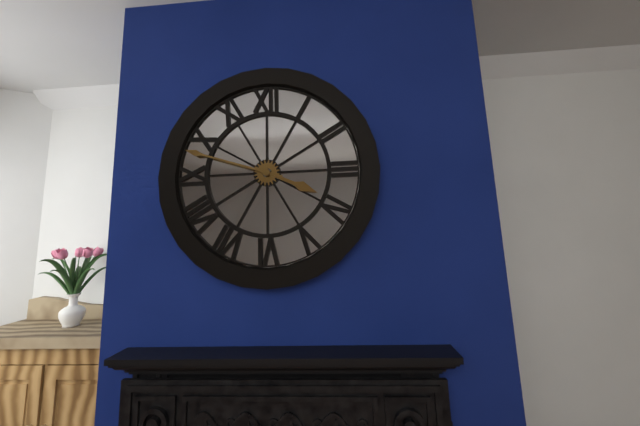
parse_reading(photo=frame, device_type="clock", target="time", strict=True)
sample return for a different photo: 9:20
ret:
3:48
